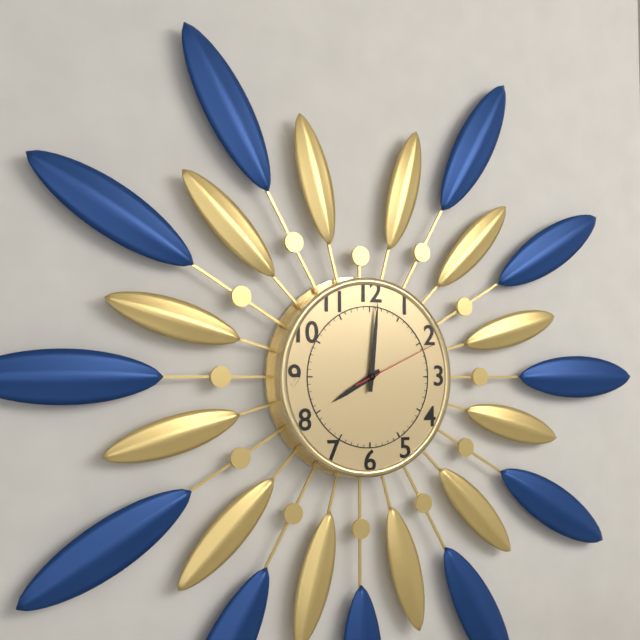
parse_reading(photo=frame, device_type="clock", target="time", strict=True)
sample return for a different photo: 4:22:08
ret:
8:01:11
